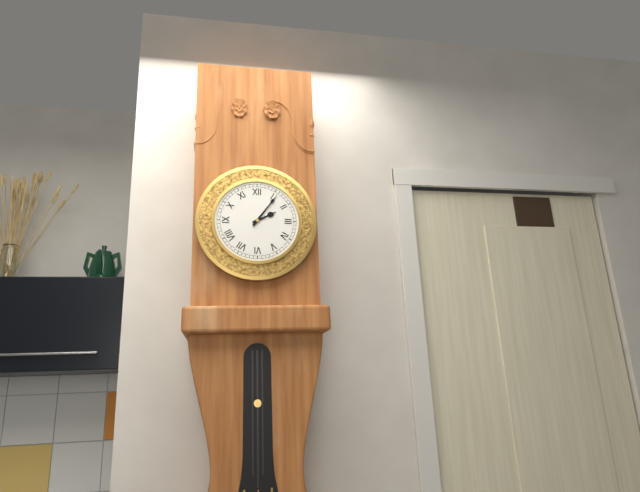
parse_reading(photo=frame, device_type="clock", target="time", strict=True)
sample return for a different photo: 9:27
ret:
2:06
